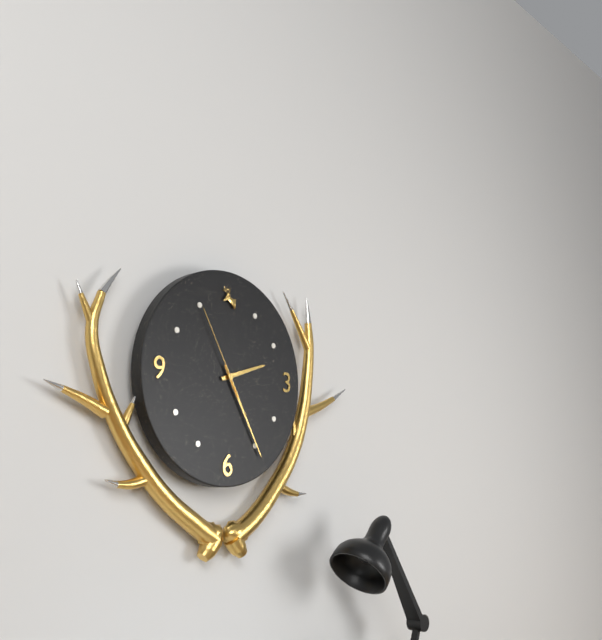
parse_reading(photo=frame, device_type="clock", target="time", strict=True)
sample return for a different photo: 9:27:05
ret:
2:25:55
